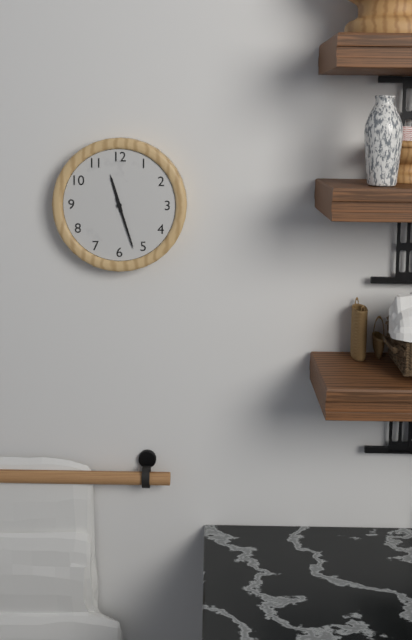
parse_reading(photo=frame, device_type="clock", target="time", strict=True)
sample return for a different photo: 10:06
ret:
11:27
